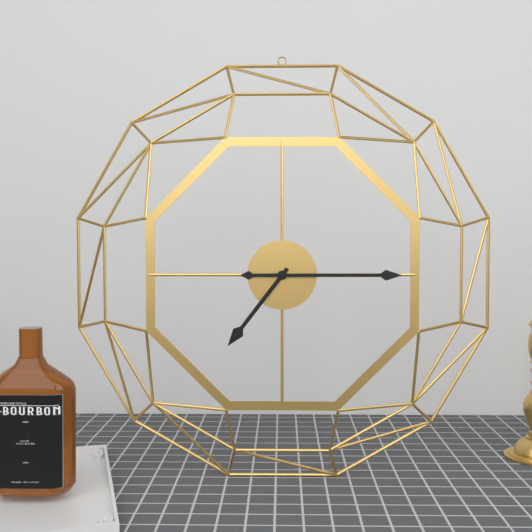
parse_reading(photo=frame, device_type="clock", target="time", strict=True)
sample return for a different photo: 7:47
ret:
7:15
